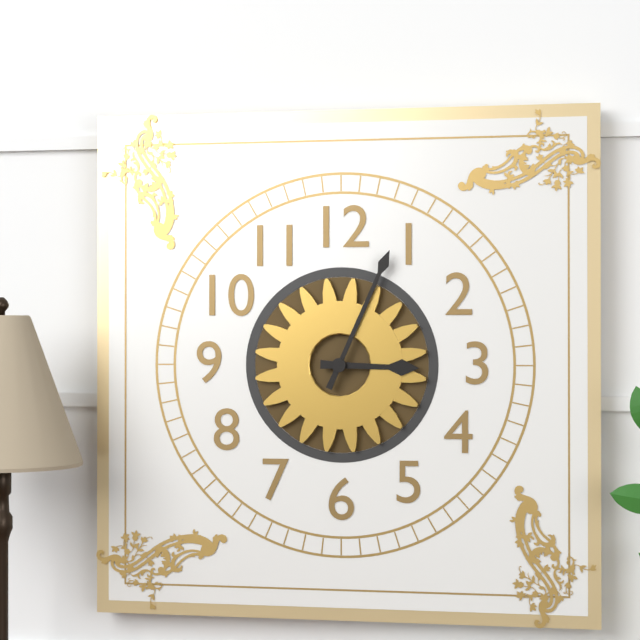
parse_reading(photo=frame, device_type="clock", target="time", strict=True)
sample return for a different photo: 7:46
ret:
3:04
